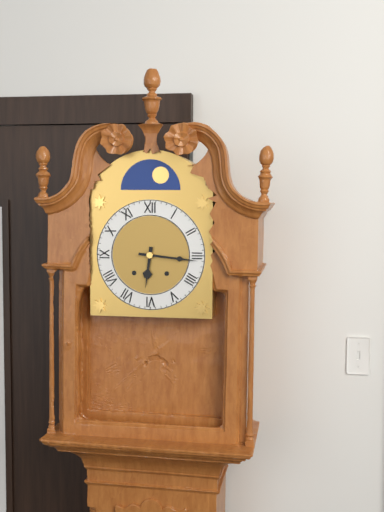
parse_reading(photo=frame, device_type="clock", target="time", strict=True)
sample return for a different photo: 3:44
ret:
6:16
